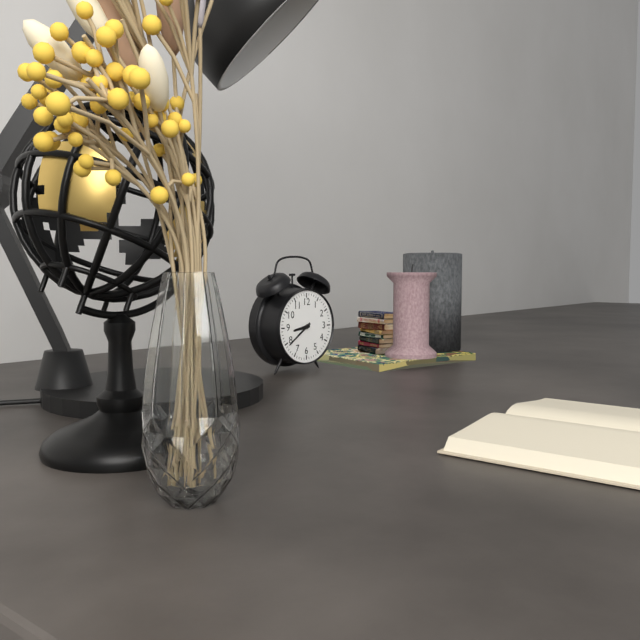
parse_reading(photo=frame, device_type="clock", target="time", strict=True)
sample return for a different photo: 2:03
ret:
8:39
